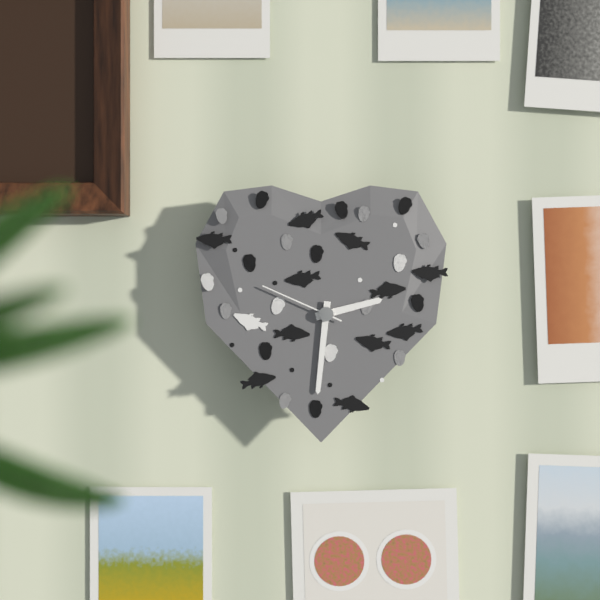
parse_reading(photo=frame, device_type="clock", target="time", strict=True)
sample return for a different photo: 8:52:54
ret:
2:31:49
